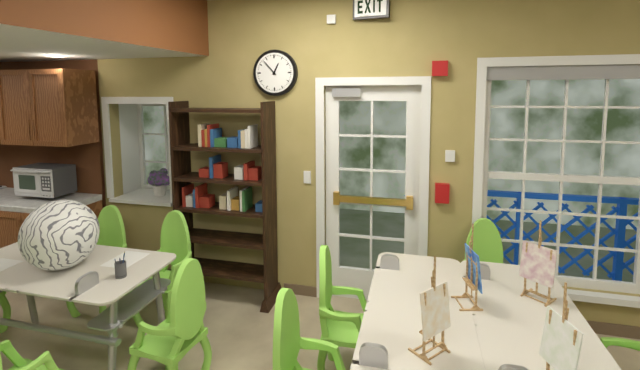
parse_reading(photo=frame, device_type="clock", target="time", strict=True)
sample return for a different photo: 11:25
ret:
12:53
